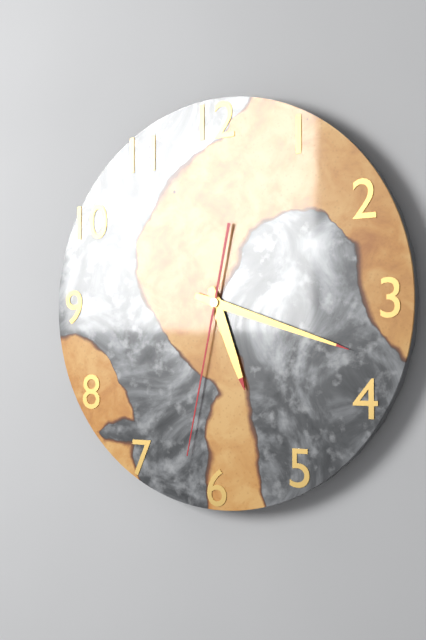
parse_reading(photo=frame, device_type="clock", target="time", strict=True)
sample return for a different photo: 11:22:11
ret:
5:18:32
